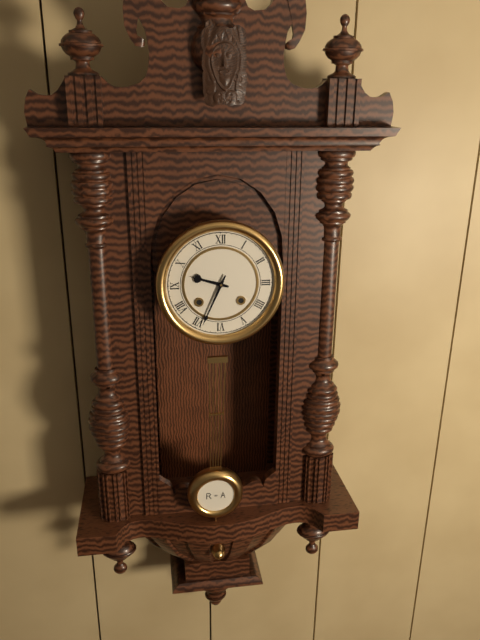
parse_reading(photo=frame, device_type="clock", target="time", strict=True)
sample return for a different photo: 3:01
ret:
9:34
